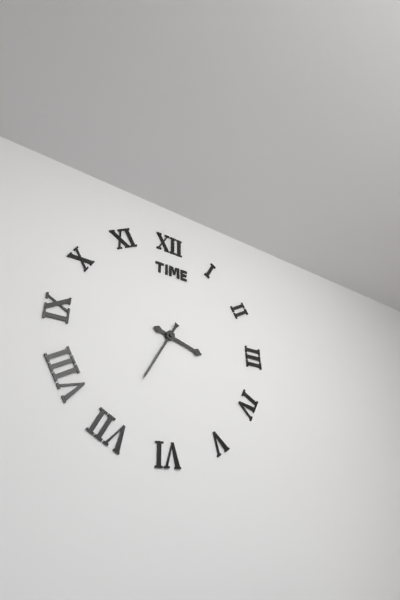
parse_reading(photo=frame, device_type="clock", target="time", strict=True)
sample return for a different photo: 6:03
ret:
3:35
